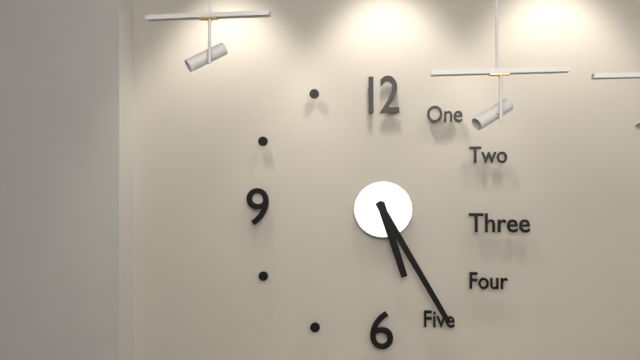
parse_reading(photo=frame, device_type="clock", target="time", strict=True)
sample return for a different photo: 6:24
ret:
5:25
